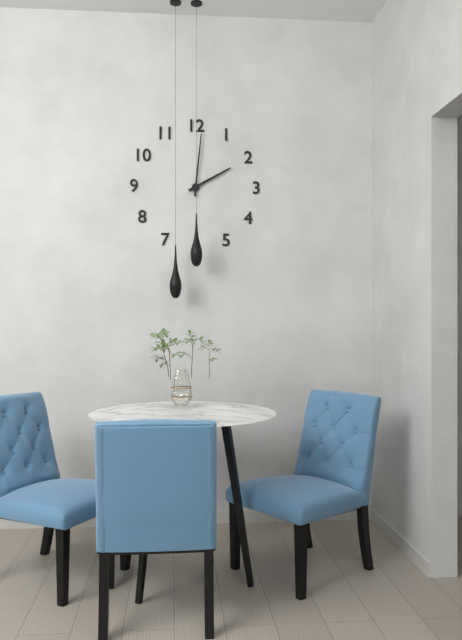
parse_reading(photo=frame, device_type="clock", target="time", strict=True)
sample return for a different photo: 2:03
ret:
2:01
